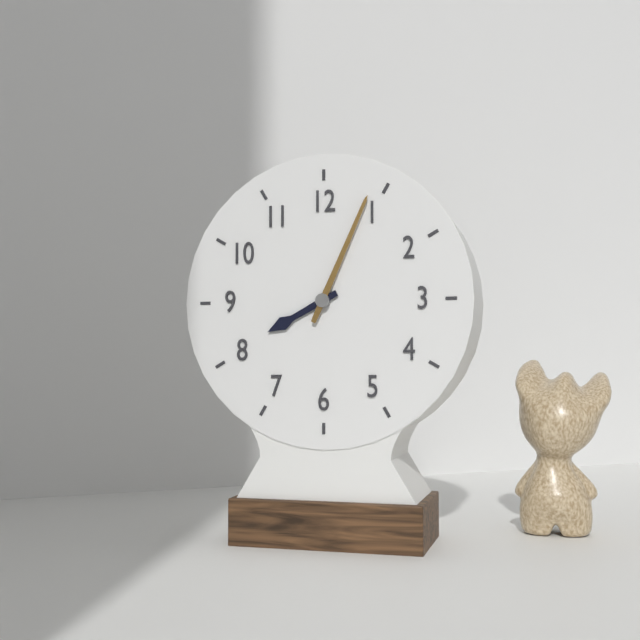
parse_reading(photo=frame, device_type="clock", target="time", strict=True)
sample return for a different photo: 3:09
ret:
8:04
